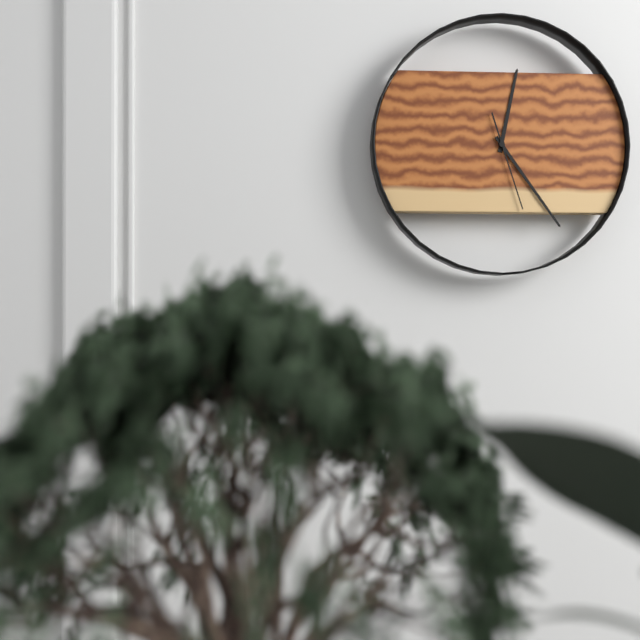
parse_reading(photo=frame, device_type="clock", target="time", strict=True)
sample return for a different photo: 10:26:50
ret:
12:24:27
